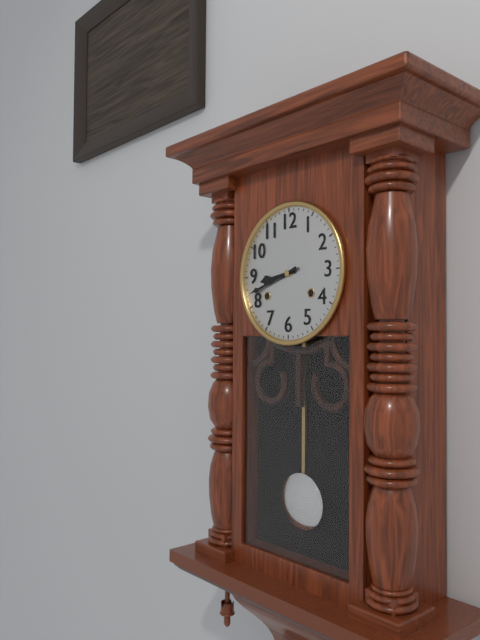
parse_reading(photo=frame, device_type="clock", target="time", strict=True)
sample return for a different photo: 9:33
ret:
8:42
